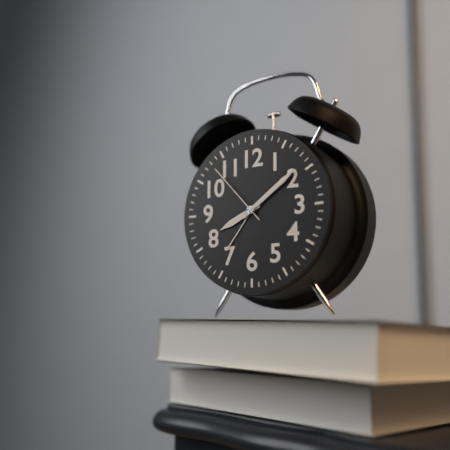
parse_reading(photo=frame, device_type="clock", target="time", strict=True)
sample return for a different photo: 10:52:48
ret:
8:09:53
